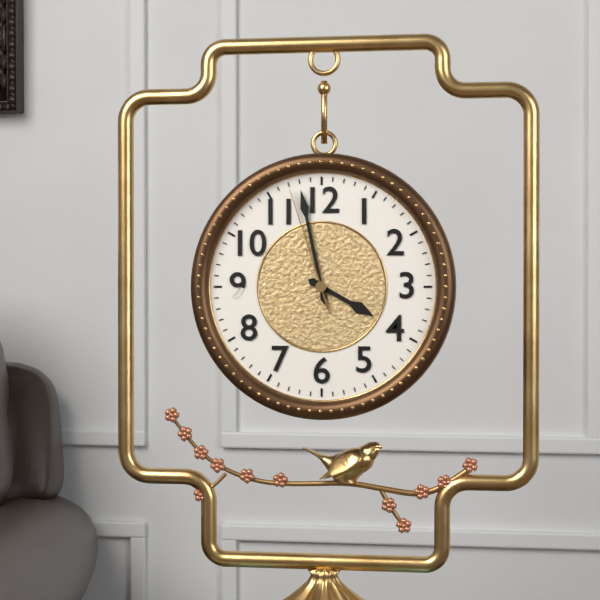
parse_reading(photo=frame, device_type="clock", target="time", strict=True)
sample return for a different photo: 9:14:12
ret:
3:58:57
